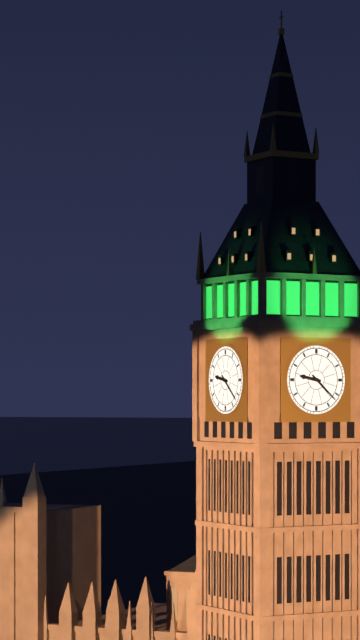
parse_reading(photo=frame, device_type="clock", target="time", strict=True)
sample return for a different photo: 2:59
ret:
9:22
